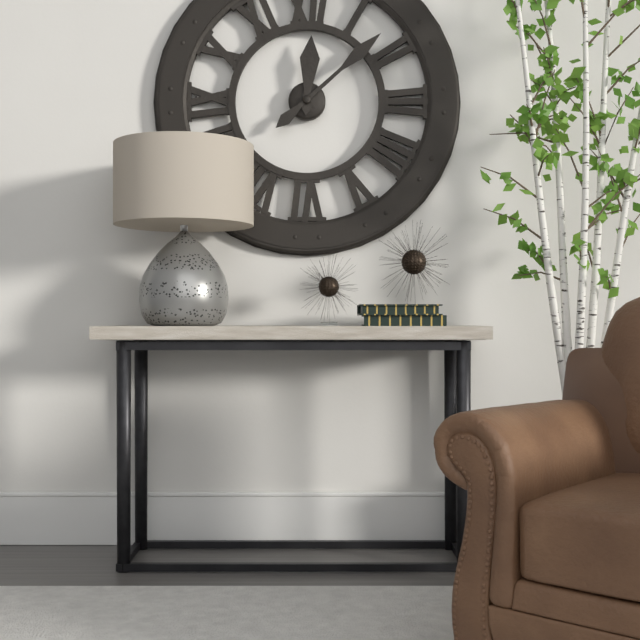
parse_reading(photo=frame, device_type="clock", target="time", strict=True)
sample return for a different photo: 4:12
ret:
12:08
